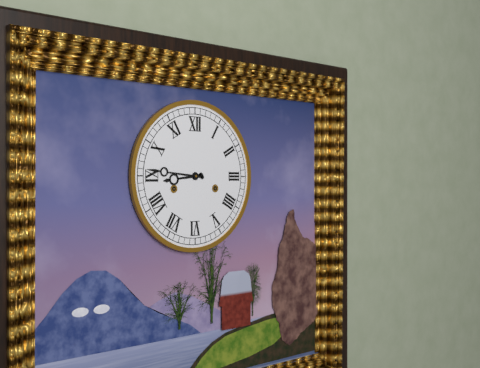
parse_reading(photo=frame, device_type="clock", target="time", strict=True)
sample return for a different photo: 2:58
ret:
8:46
